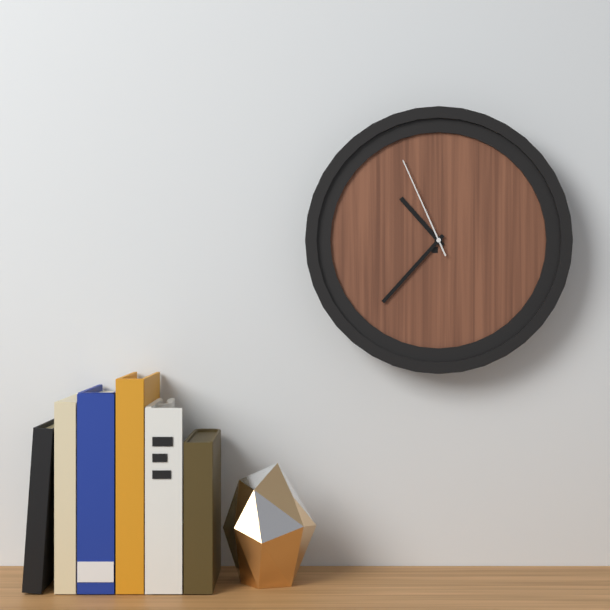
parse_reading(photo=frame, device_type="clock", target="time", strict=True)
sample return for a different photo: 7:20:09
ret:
10:37:56
